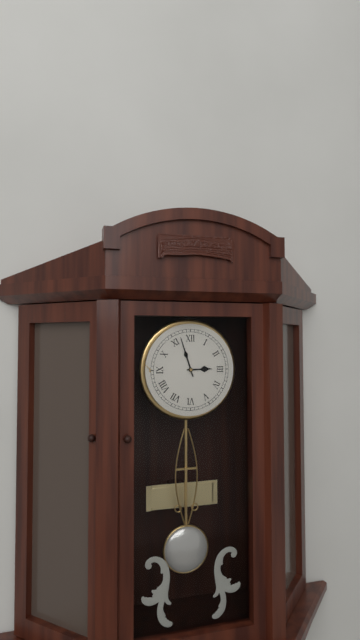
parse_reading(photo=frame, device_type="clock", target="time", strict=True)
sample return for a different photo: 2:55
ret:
2:57
